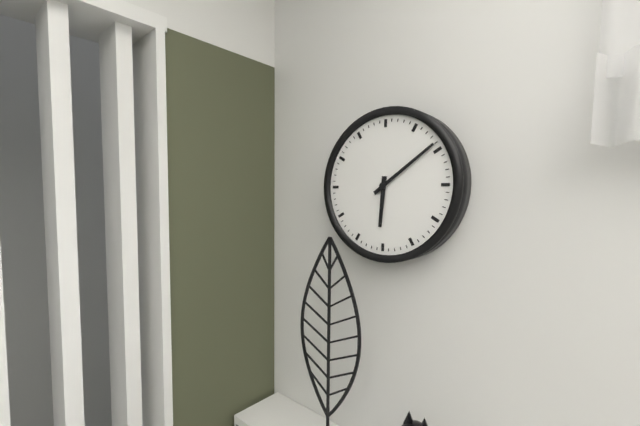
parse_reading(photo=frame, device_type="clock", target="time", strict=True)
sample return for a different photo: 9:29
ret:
6:09
